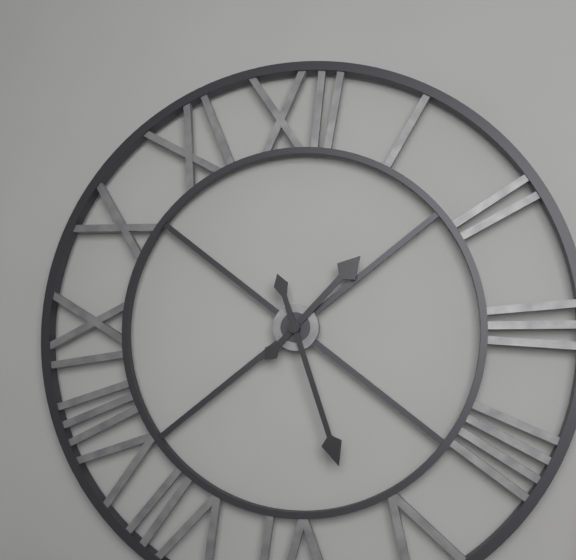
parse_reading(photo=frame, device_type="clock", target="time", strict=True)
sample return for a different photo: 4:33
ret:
1:27
